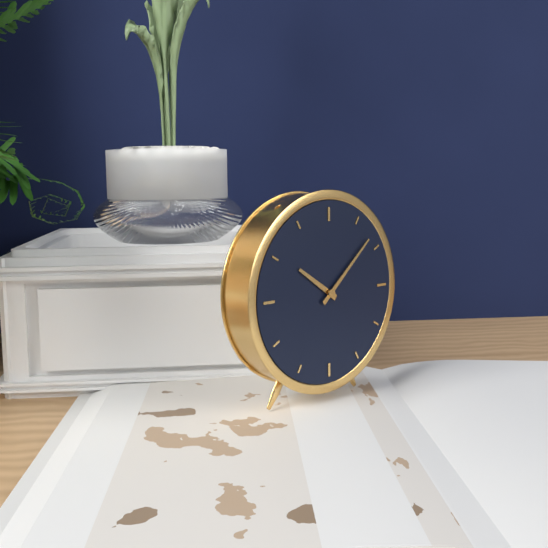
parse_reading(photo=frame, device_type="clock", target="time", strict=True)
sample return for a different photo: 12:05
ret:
10:08
